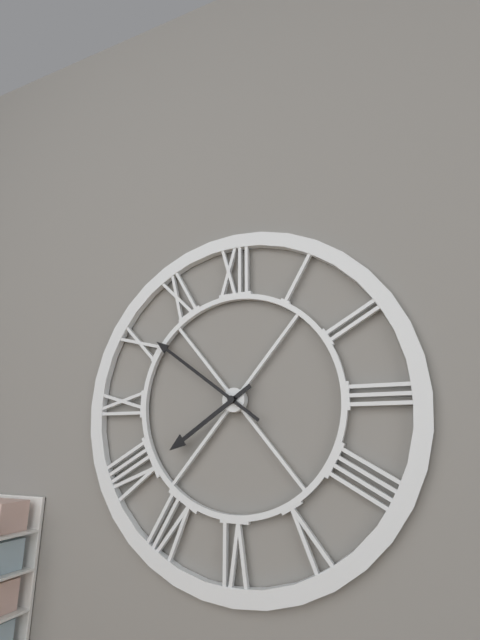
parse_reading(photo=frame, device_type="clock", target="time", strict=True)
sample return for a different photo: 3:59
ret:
7:51
